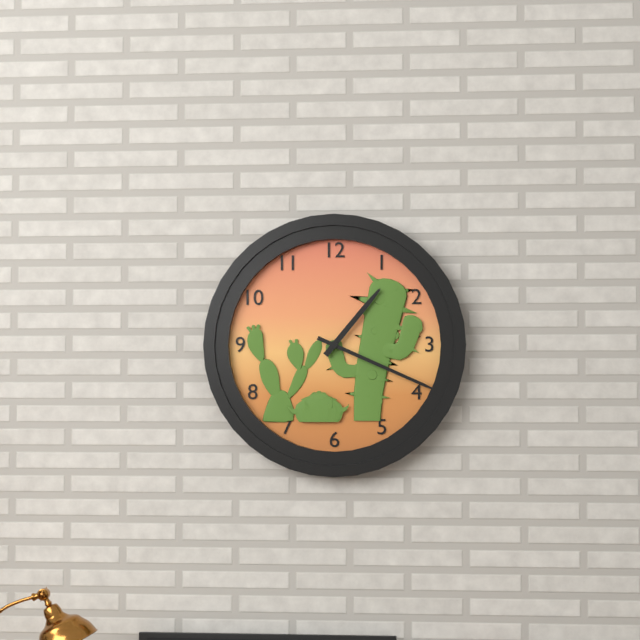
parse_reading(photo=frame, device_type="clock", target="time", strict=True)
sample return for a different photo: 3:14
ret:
1:19
